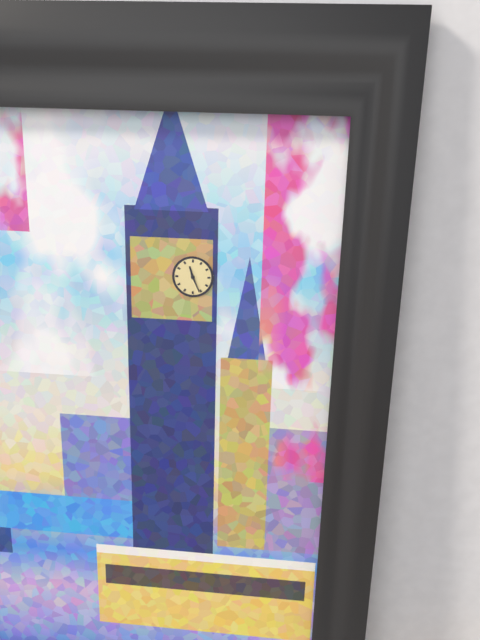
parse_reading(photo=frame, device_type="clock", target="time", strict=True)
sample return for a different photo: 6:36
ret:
11:26
